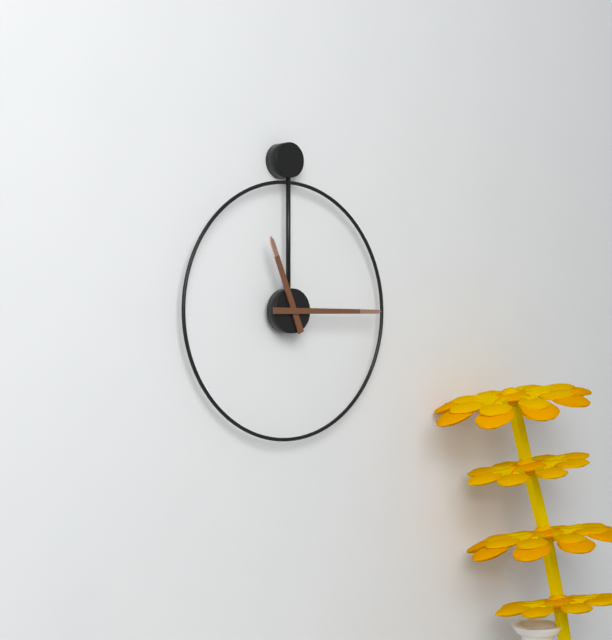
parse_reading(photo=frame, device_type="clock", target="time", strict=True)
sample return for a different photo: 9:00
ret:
11:15
